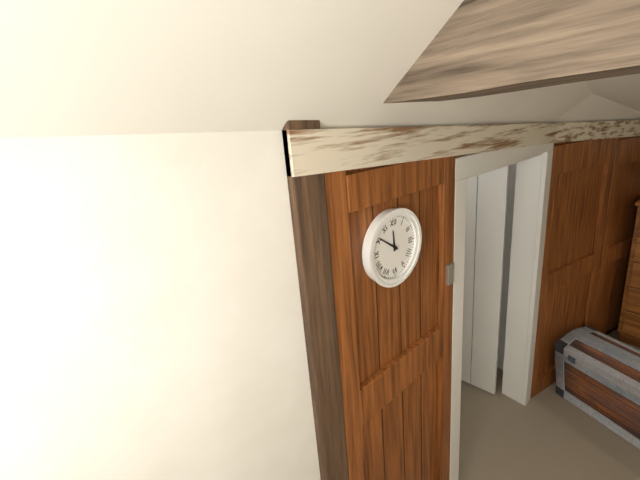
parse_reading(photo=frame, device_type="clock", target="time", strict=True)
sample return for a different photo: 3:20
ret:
11:51
